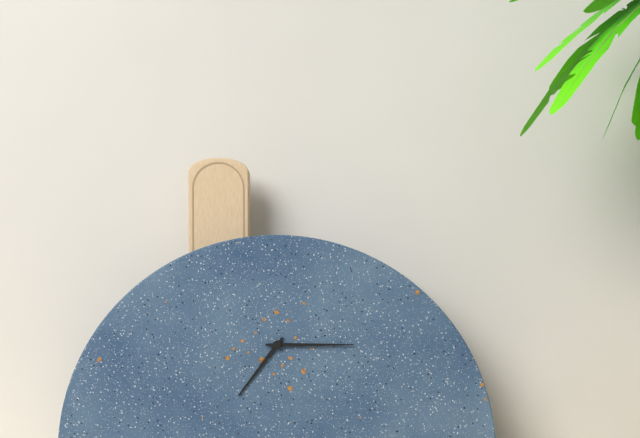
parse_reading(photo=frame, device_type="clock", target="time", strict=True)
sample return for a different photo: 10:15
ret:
7:15
